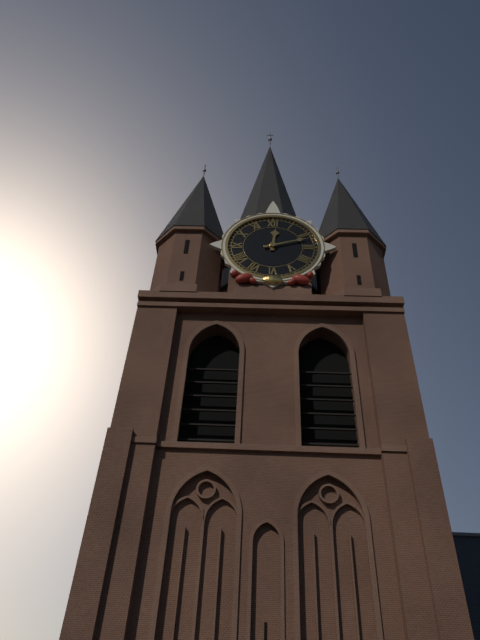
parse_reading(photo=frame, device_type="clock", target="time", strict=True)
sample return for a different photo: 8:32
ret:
12:12
